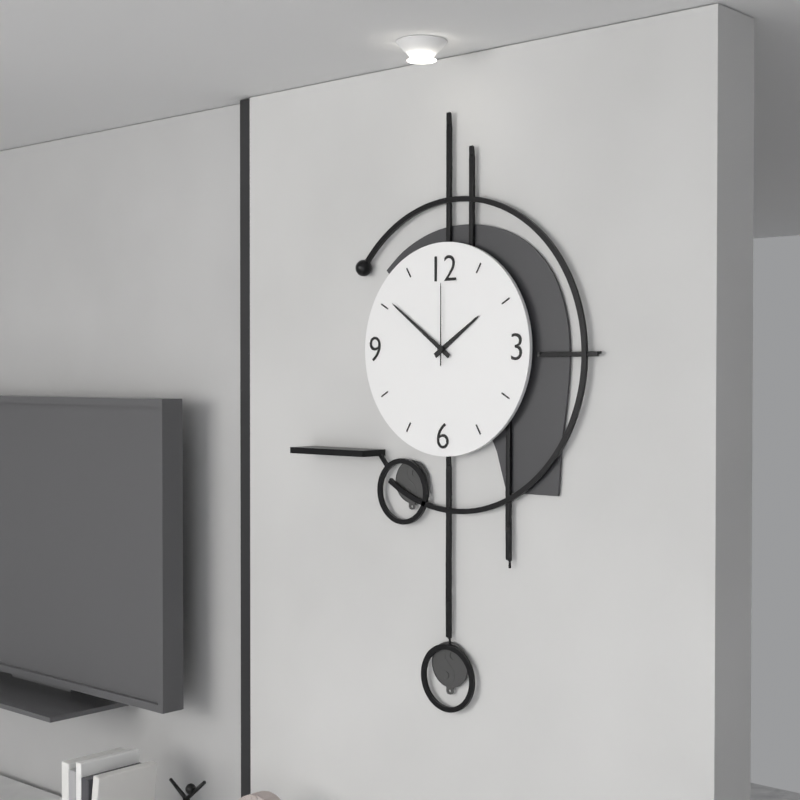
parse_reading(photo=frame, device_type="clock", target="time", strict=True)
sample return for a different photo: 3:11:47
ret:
1:51:00
